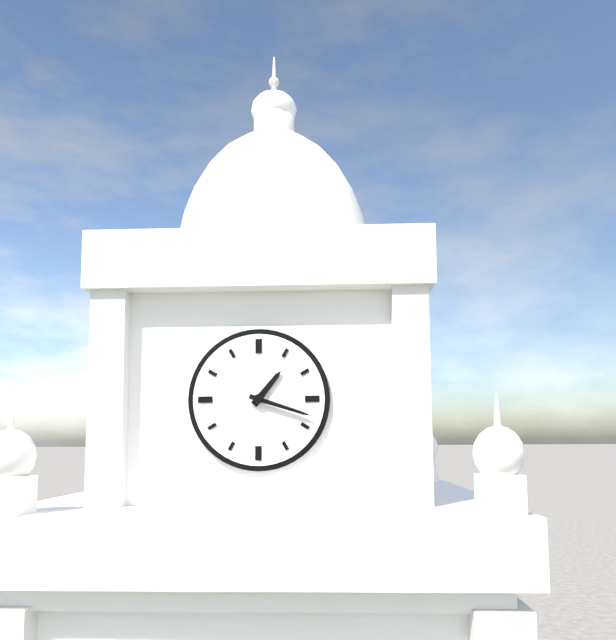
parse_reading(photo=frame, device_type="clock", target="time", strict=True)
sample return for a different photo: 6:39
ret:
1:18
